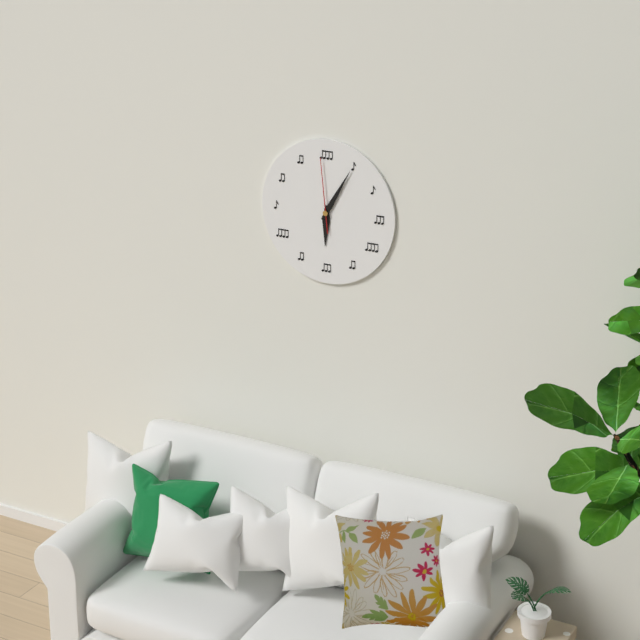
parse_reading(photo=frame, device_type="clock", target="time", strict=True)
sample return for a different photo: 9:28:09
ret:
6:05:59
